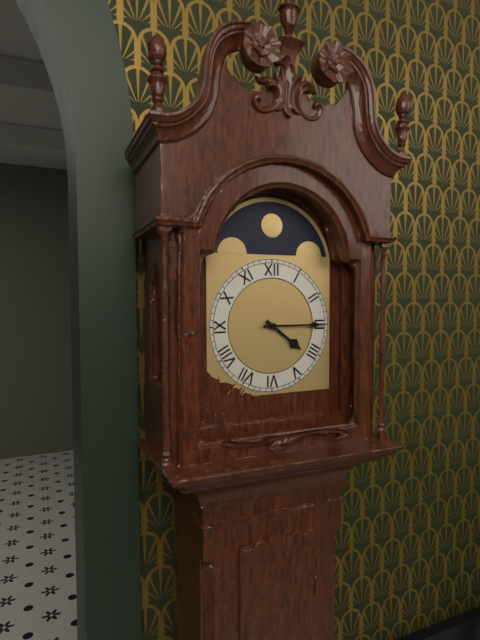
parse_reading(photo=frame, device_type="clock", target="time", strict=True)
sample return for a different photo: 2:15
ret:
4:15
